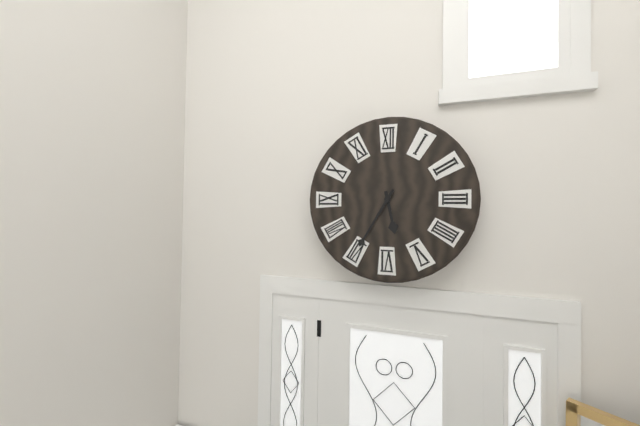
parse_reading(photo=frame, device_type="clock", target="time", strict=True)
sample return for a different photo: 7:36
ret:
5:35
